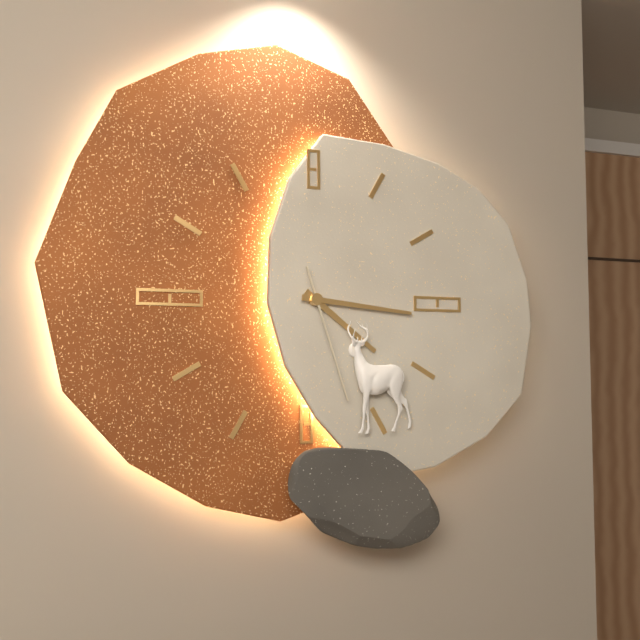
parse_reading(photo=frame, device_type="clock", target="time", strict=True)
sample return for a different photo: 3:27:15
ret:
4:16:27
